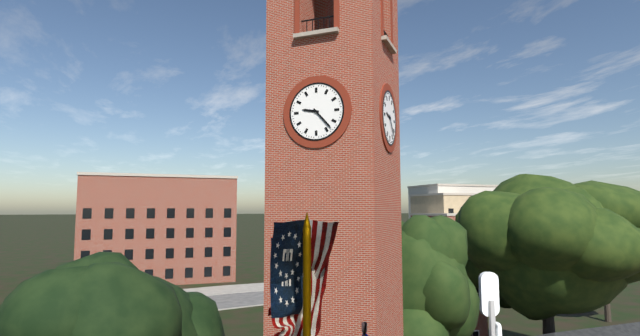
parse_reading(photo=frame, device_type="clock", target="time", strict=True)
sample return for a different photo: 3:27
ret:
9:23
